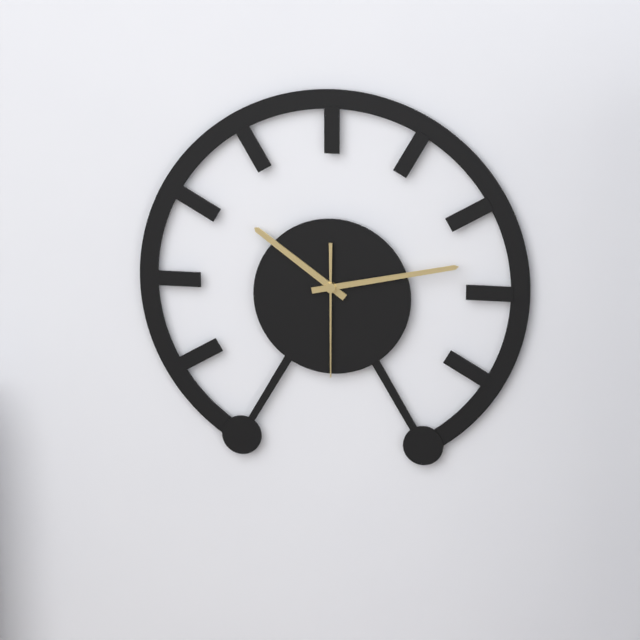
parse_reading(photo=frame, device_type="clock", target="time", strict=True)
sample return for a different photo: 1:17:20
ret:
10:13:30
